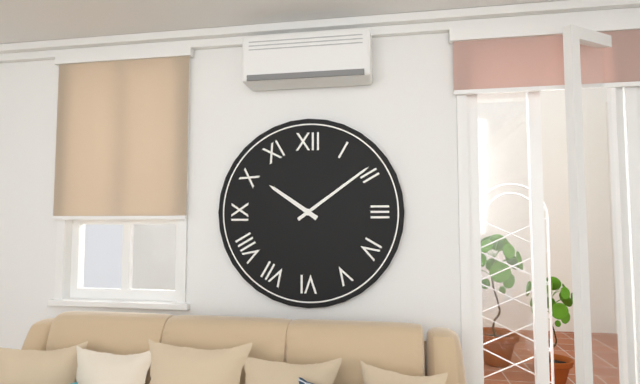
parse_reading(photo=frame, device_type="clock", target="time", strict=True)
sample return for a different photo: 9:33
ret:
10:09
